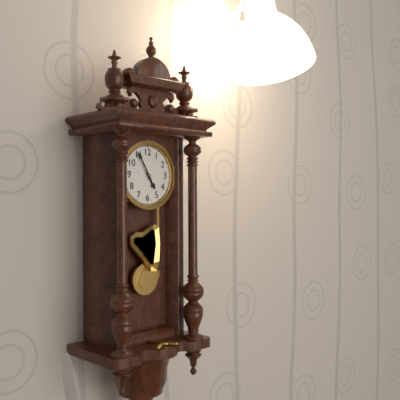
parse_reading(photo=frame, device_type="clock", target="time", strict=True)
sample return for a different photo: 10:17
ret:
4:55
